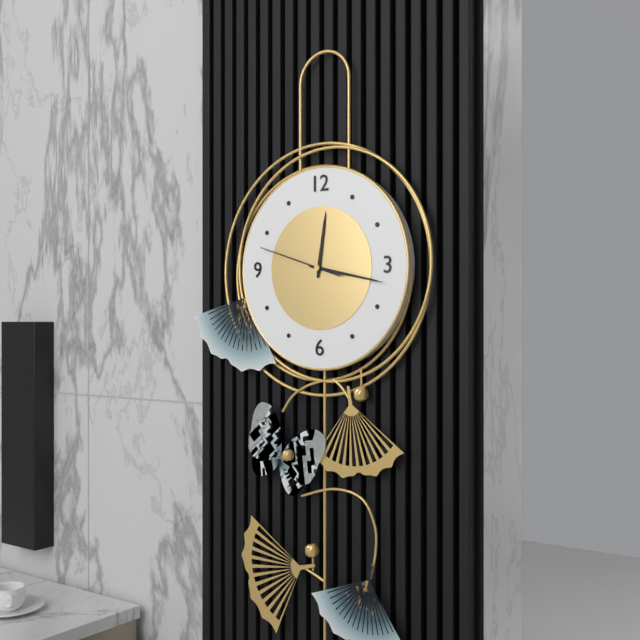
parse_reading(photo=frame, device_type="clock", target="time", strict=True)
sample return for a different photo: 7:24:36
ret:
12:17:48
